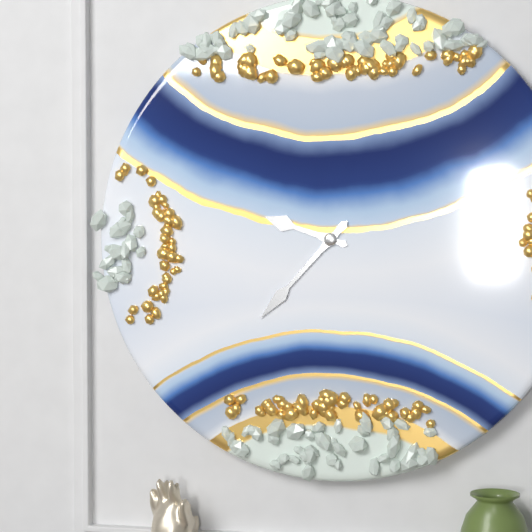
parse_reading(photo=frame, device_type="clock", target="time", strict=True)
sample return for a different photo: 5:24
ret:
9:37
